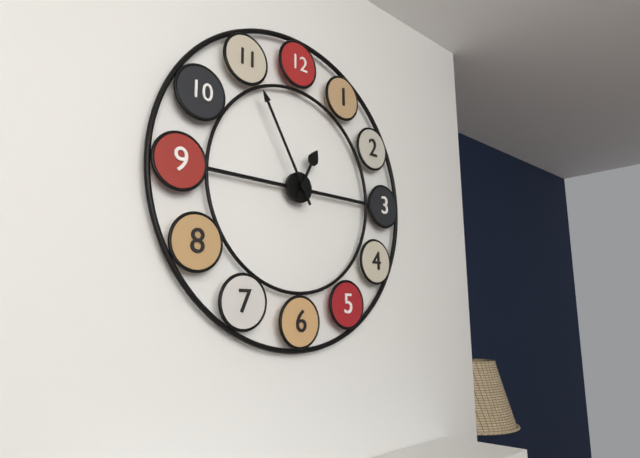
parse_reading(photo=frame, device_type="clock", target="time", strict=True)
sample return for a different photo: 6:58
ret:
12:55
